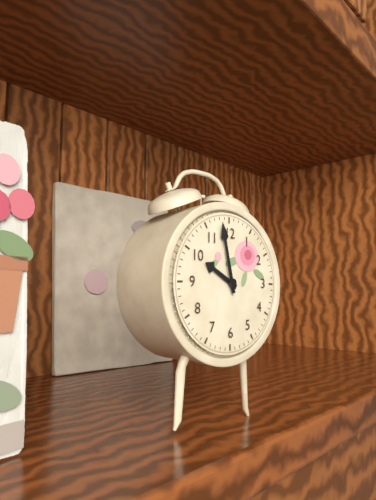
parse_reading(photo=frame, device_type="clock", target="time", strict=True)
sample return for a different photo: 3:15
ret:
9:58
